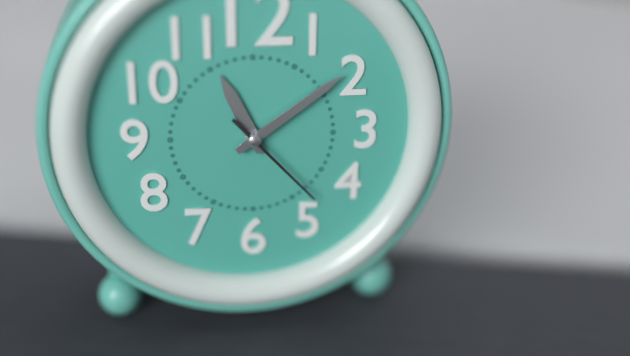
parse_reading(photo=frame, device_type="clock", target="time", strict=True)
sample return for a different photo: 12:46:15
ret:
11:09:23
